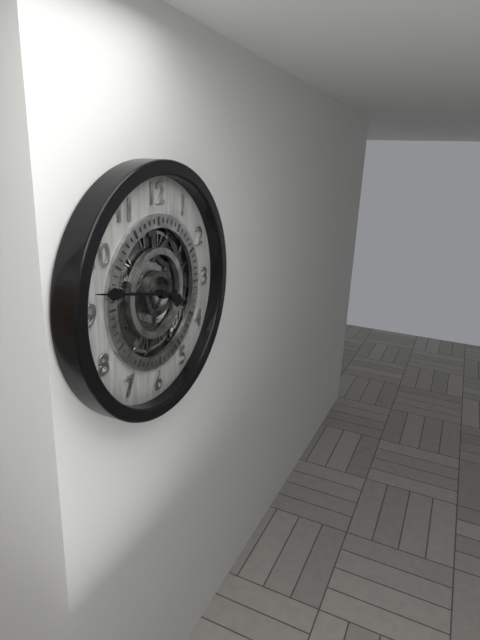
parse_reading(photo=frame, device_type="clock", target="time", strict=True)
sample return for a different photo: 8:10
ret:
3:47
